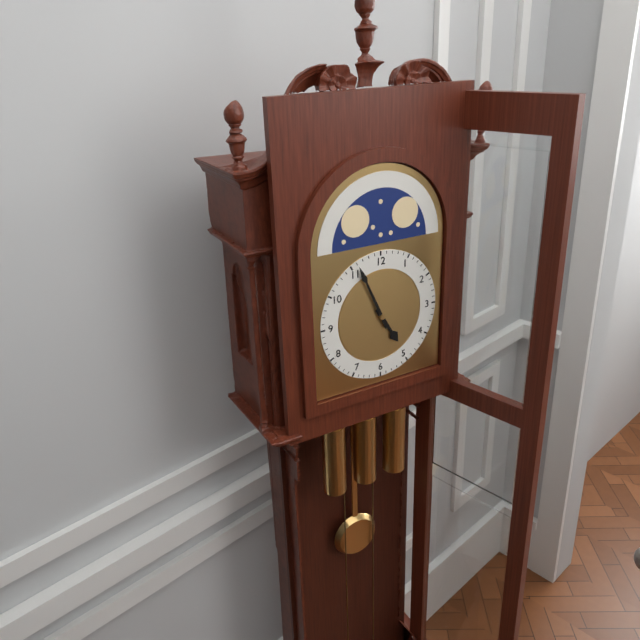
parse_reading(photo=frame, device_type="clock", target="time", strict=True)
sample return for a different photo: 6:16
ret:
4:56
